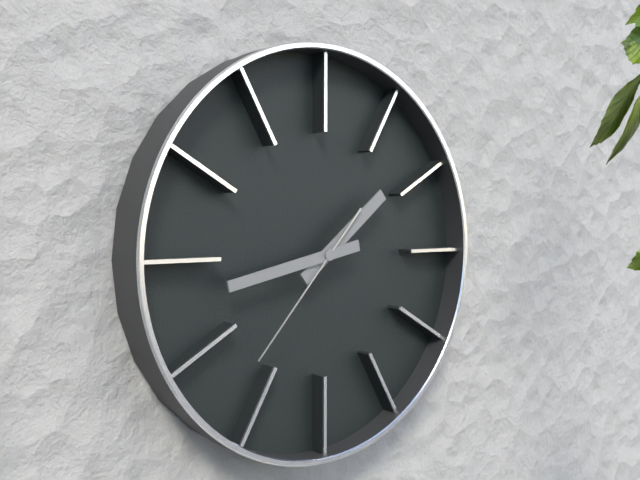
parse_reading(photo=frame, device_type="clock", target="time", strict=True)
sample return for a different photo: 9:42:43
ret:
1:43:37
